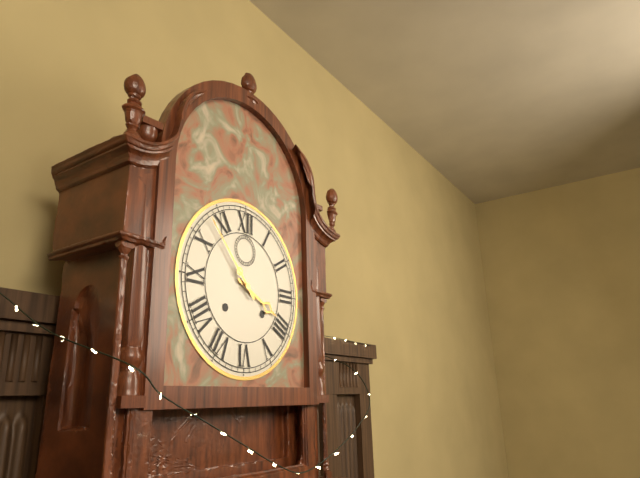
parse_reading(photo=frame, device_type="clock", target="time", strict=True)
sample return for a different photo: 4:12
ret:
3:53
